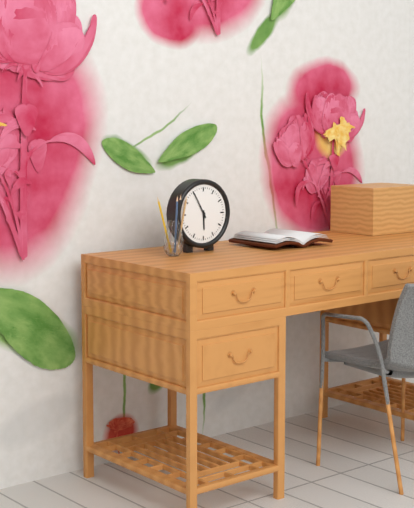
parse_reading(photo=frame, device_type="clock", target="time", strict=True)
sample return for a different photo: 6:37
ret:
5:55
